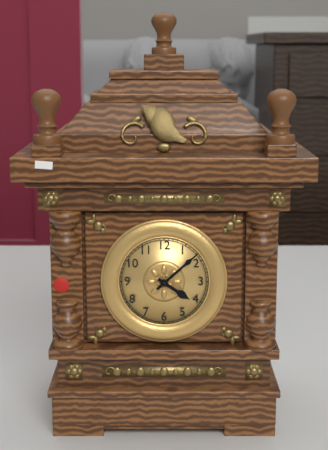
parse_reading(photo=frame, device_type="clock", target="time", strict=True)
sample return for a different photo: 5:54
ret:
4:08
